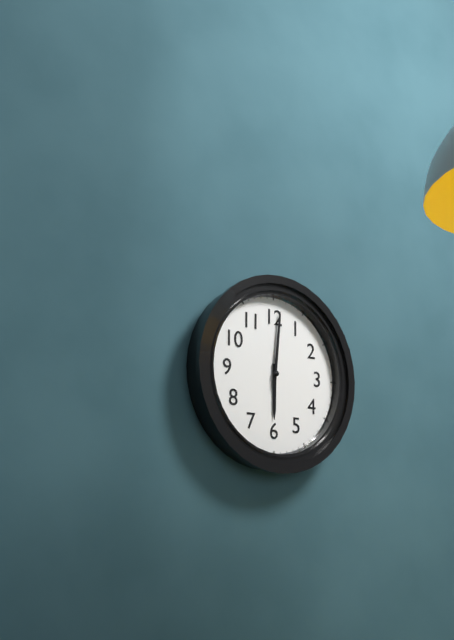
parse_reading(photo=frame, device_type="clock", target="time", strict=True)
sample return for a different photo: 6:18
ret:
6:01
